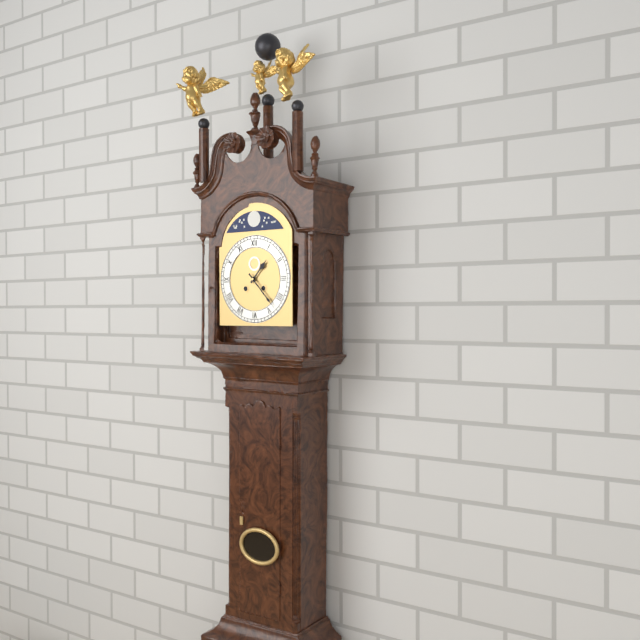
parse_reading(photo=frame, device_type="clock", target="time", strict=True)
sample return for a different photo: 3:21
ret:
1:23
